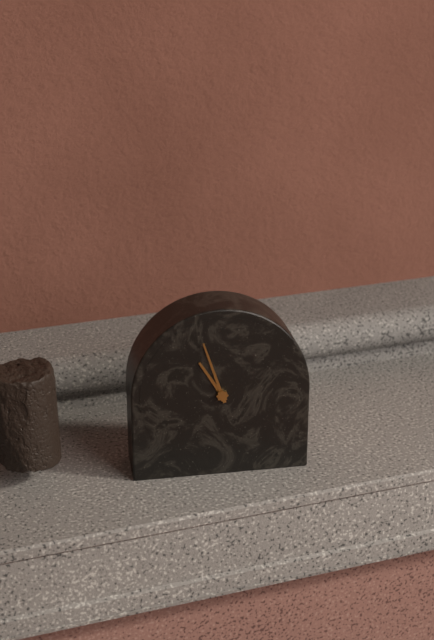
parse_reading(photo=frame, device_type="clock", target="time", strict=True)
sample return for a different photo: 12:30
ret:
10:57
